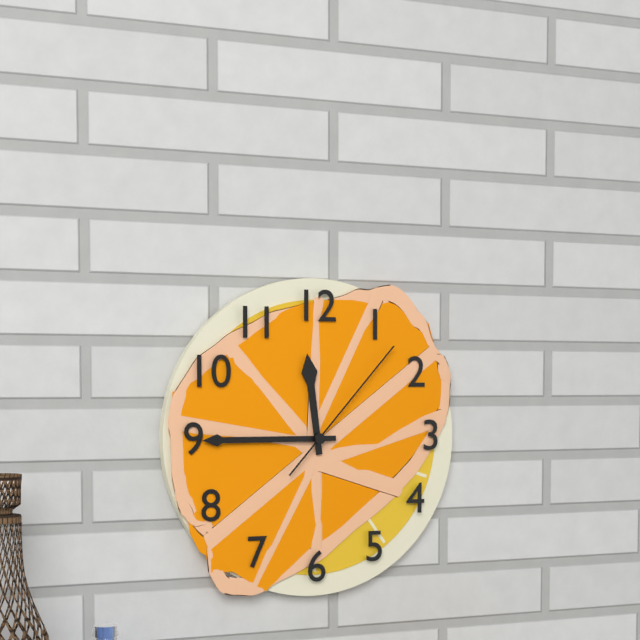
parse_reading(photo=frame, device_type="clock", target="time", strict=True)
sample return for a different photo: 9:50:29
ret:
11:45:07
